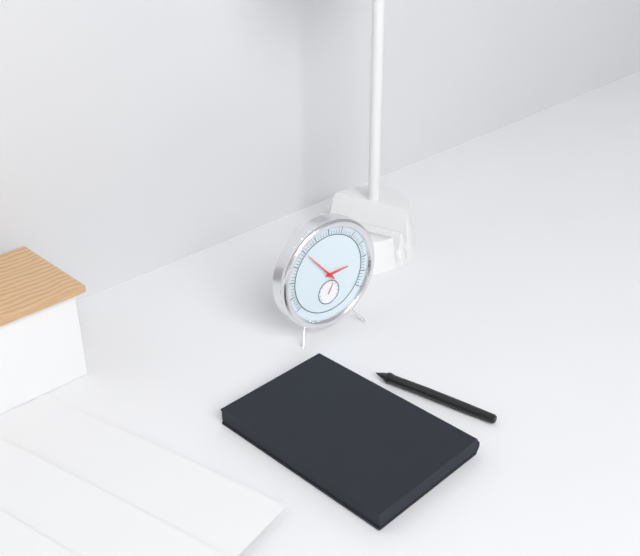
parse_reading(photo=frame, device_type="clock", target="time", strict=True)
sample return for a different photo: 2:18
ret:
2:53
